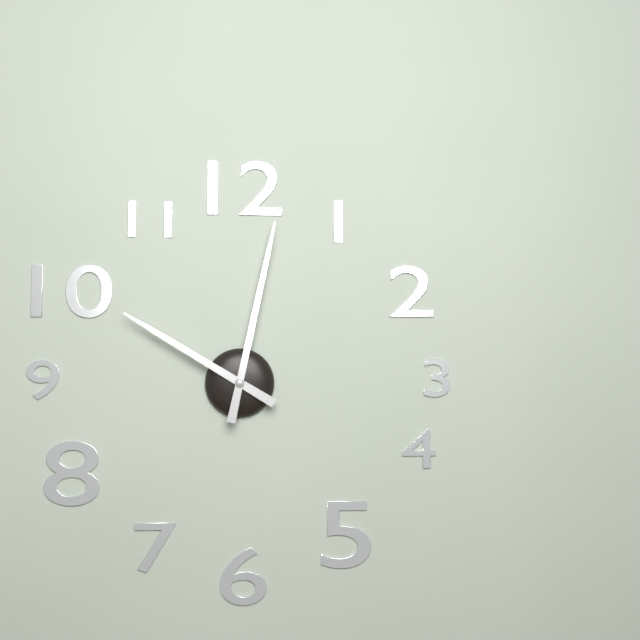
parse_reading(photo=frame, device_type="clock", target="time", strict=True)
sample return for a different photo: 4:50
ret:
10:02
